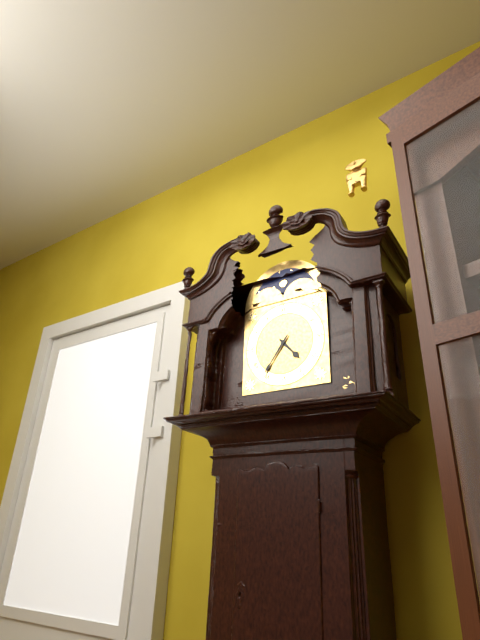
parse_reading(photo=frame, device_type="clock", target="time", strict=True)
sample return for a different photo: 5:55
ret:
4:36
